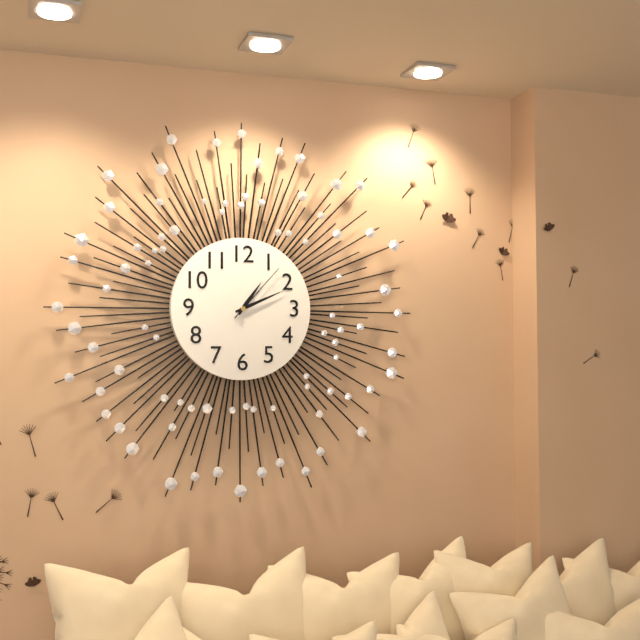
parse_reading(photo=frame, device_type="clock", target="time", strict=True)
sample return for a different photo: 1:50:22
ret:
1:11:07
